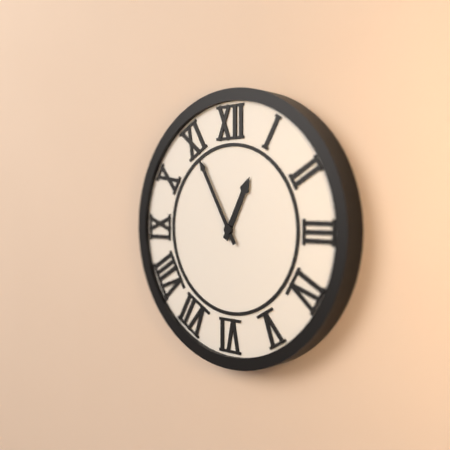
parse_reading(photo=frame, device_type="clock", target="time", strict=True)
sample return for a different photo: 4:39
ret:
12:55
